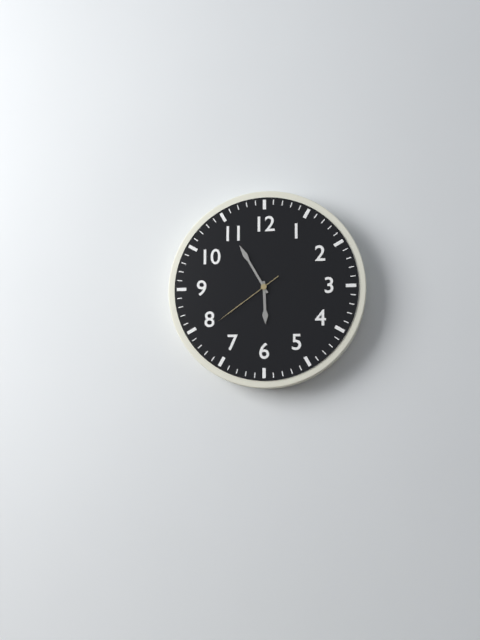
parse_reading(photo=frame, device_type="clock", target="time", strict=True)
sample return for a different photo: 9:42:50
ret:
5:55:39
